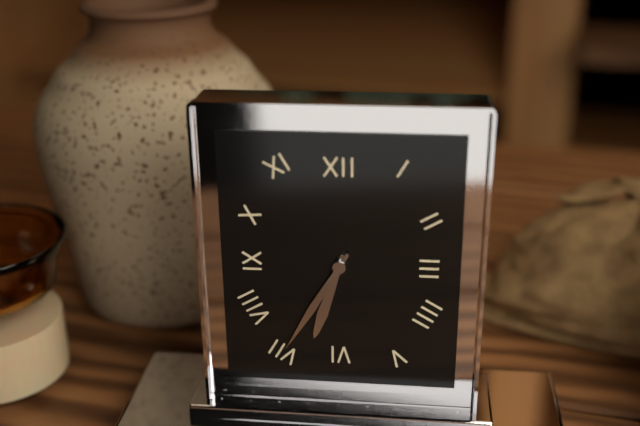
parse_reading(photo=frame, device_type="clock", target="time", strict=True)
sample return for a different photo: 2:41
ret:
6:35
